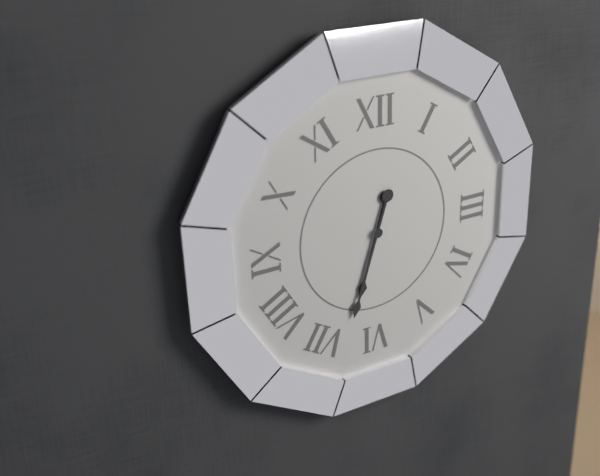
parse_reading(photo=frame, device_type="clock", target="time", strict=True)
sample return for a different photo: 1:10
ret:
6:33
